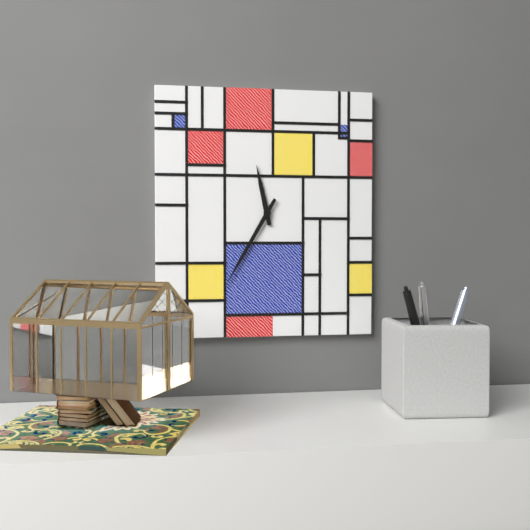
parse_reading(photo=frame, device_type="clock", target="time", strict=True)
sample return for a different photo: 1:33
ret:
11:35
